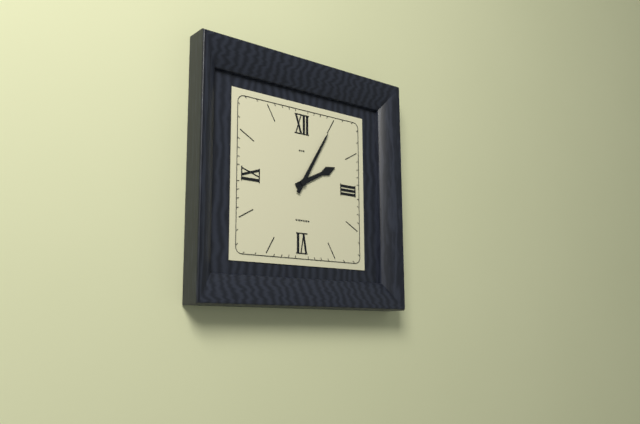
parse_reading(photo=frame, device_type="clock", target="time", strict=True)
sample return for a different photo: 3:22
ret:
2:05
